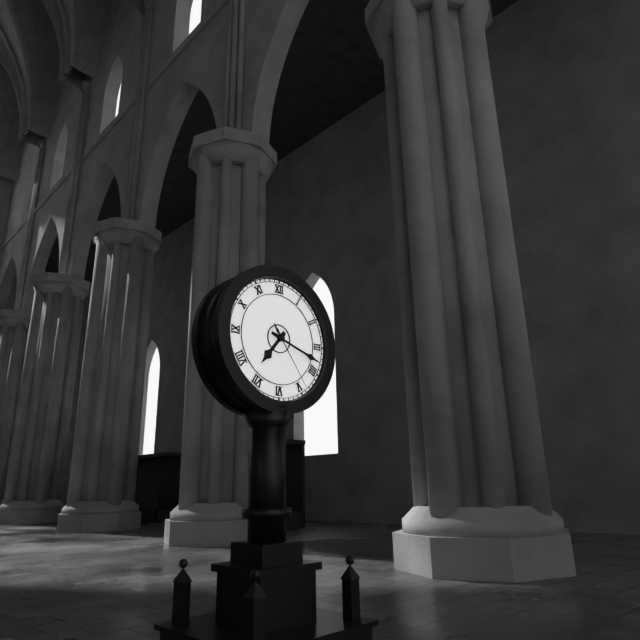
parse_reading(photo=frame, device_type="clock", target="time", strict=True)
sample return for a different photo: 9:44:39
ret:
7:18:24
